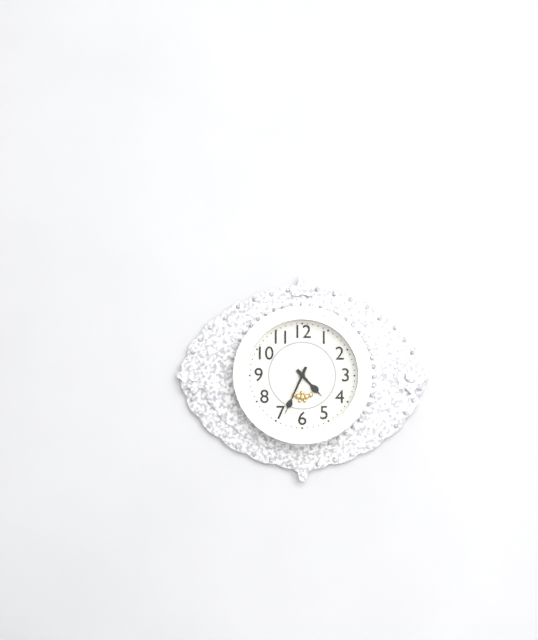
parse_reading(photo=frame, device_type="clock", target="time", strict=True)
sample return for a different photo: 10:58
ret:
4:34
